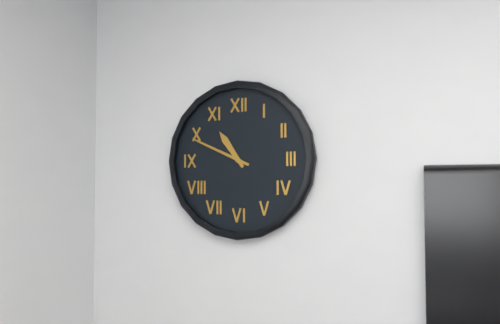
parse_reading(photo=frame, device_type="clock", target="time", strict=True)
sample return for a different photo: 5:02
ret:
10:49
